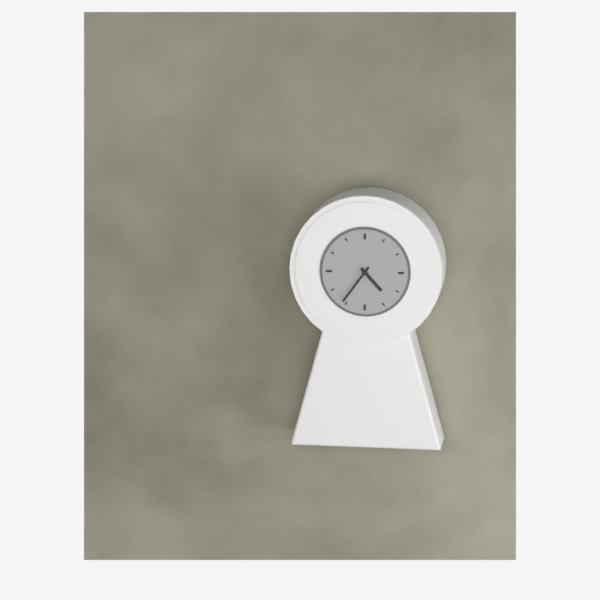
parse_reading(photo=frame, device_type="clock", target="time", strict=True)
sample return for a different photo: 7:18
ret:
4:36
